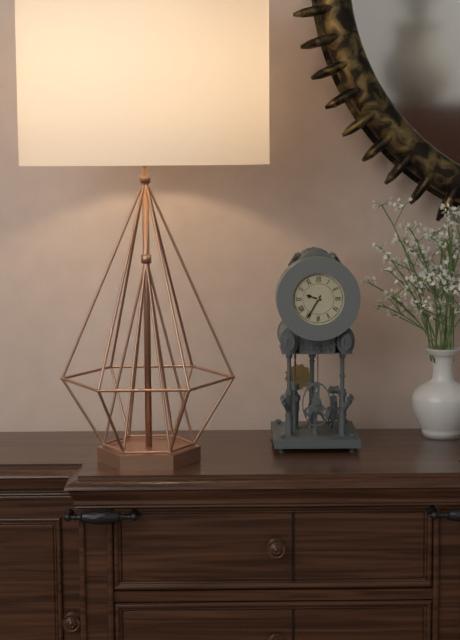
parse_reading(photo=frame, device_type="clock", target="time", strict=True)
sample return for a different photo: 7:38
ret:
9:35
